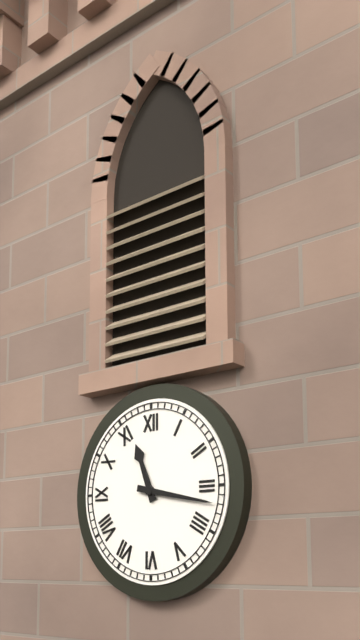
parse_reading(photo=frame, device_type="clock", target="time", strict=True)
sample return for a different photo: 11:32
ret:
11:17
